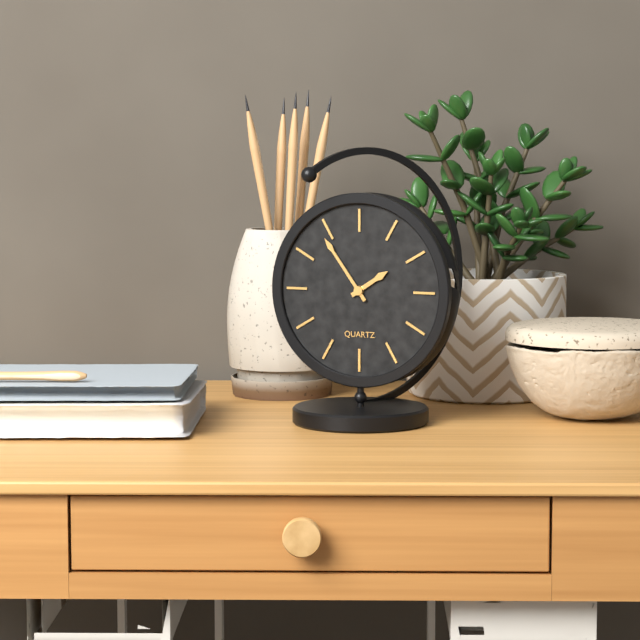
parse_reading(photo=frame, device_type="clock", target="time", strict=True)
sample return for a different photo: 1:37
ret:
1:54
